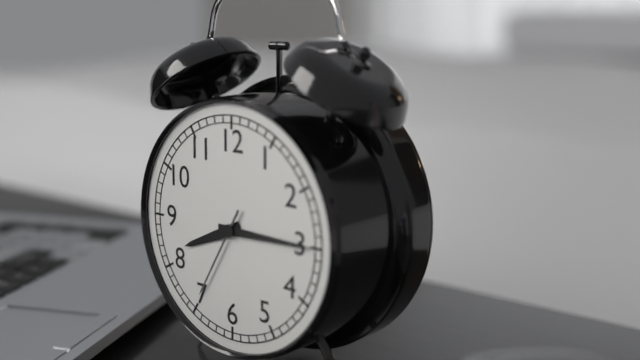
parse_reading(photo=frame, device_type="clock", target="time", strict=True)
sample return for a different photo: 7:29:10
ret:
8:15:35
